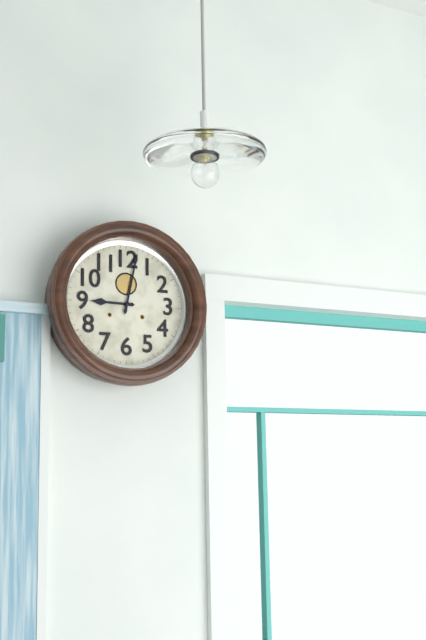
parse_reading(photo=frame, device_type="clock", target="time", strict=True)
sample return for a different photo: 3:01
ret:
9:02
